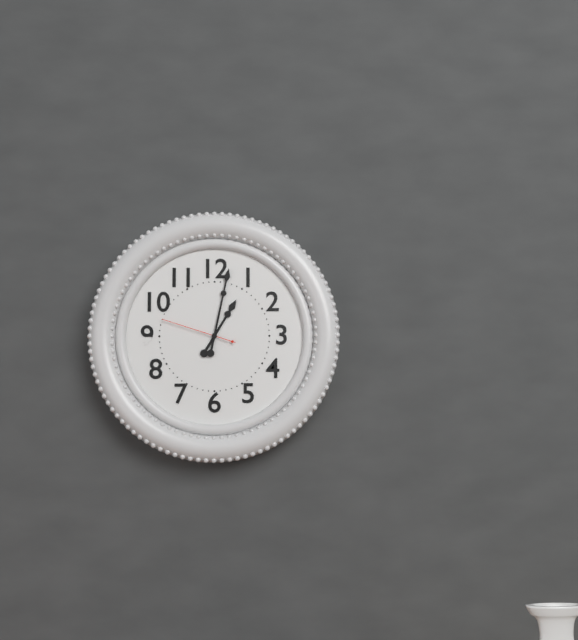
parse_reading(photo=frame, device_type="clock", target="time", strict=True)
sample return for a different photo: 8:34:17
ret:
1:02:48
